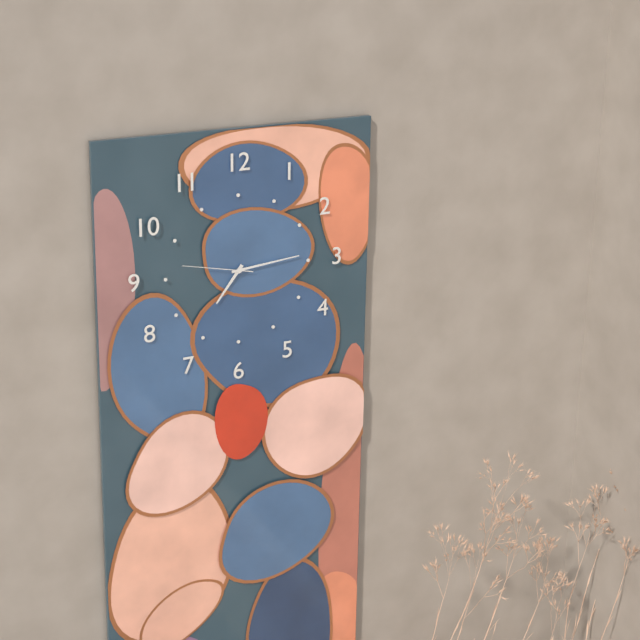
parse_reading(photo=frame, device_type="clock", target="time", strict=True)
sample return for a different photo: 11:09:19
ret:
7:14:47
